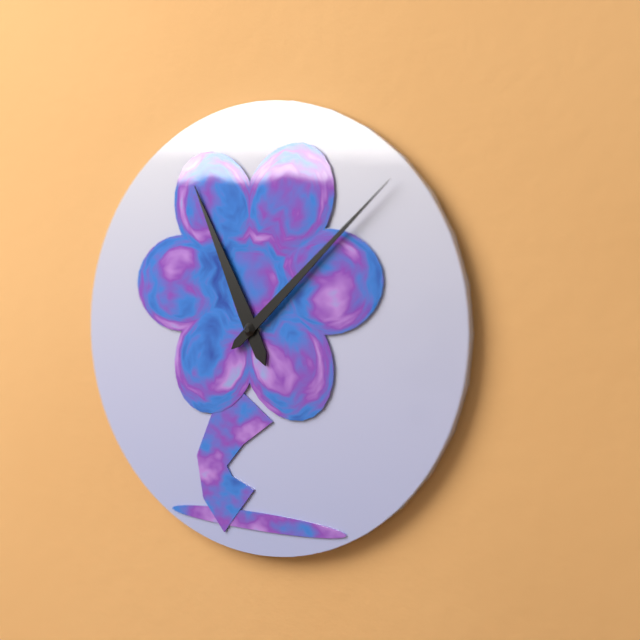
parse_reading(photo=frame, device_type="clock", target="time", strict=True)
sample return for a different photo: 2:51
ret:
11:08
